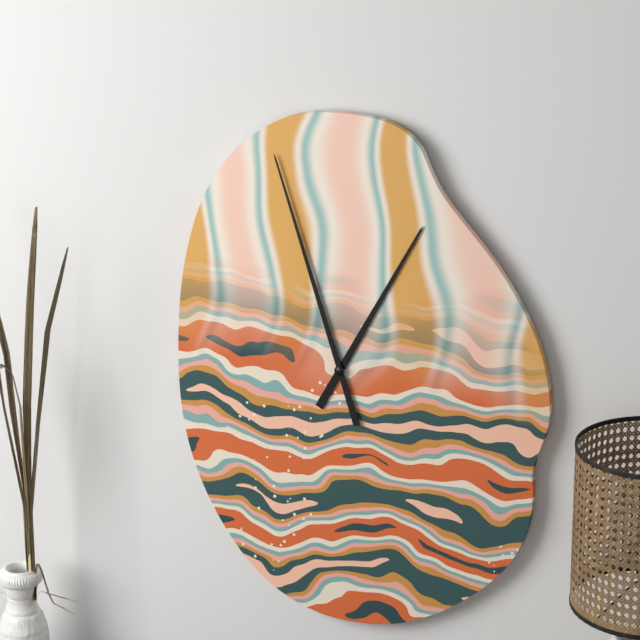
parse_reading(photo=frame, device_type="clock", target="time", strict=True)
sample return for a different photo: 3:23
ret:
12:57
